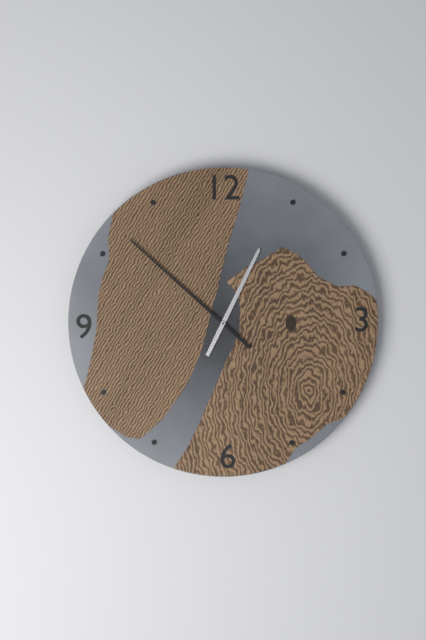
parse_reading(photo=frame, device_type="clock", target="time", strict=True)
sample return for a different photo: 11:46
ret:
12:52
